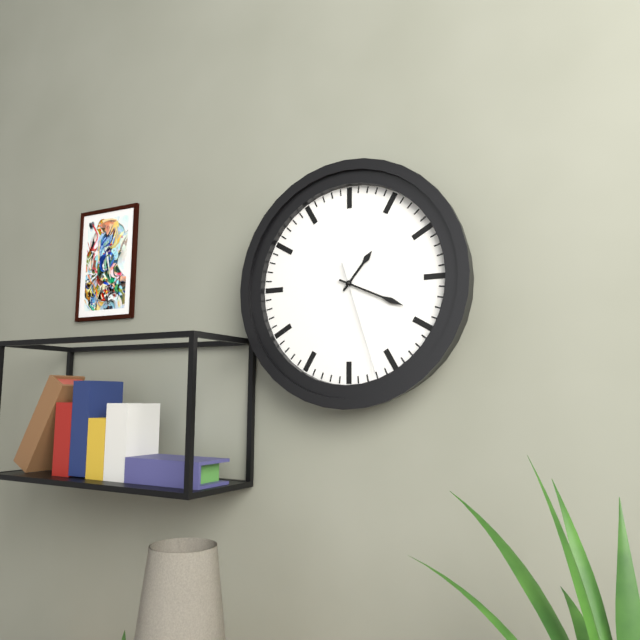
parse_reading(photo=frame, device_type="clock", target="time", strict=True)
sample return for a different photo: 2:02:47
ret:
1:19:27
